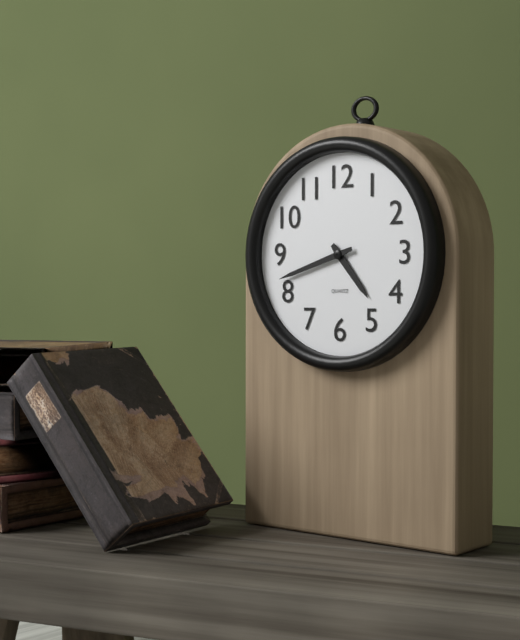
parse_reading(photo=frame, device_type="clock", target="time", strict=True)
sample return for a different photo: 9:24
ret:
4:42
